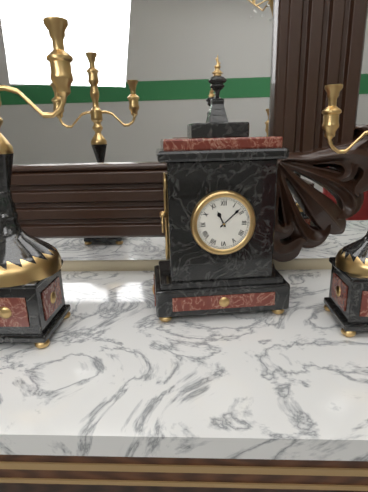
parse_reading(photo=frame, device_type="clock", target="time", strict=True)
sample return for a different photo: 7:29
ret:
11:08
